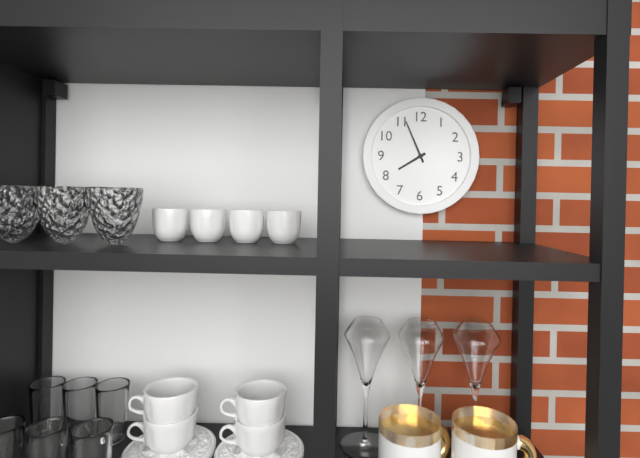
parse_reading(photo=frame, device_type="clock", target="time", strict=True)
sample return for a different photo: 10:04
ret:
7:56
